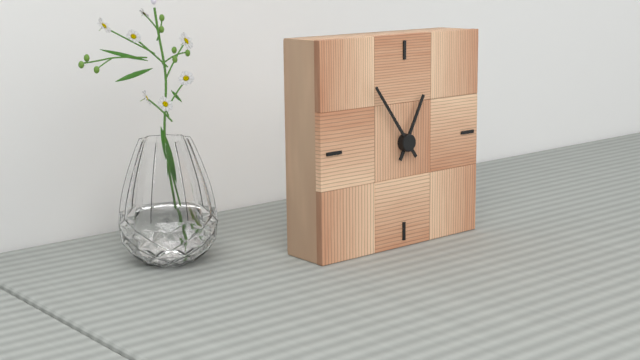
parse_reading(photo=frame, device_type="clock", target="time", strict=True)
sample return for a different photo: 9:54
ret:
12:54
